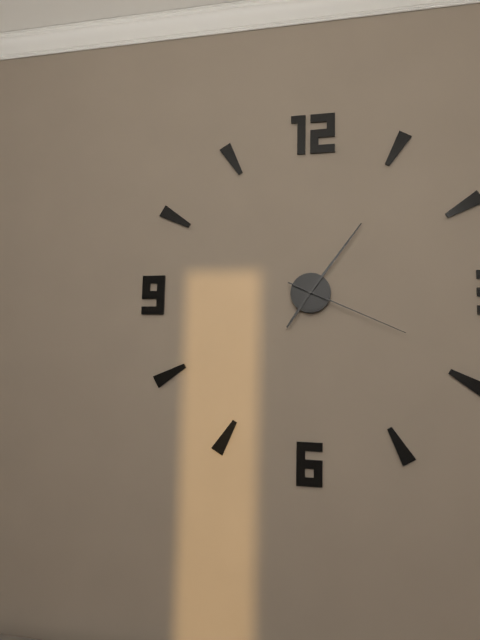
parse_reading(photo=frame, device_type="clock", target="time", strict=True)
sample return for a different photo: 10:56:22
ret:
7:06:19
